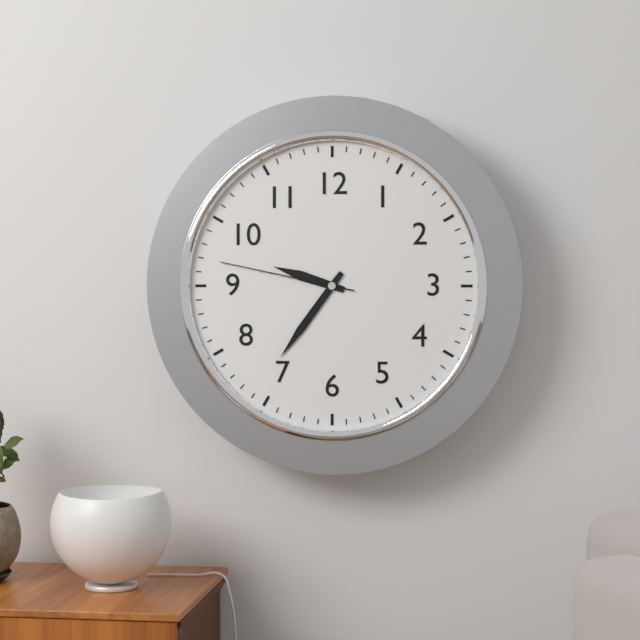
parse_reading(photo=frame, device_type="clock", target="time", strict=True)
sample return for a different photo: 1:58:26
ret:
9:36:47
